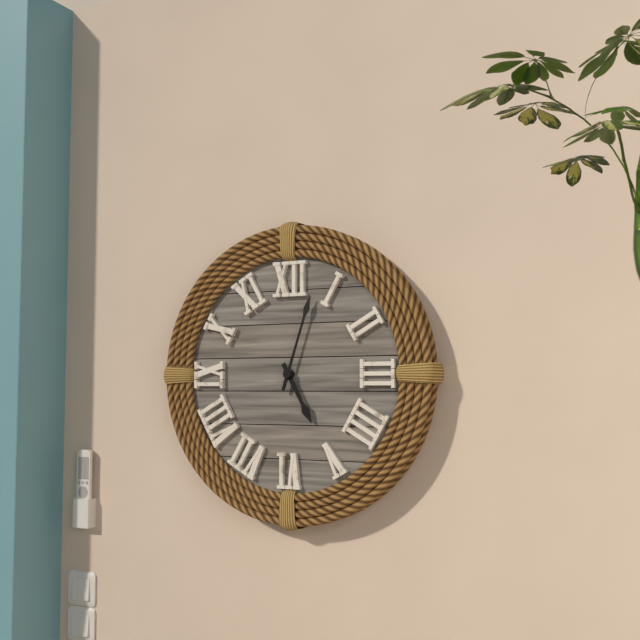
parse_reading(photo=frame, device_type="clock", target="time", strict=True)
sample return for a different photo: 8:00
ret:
5:03
